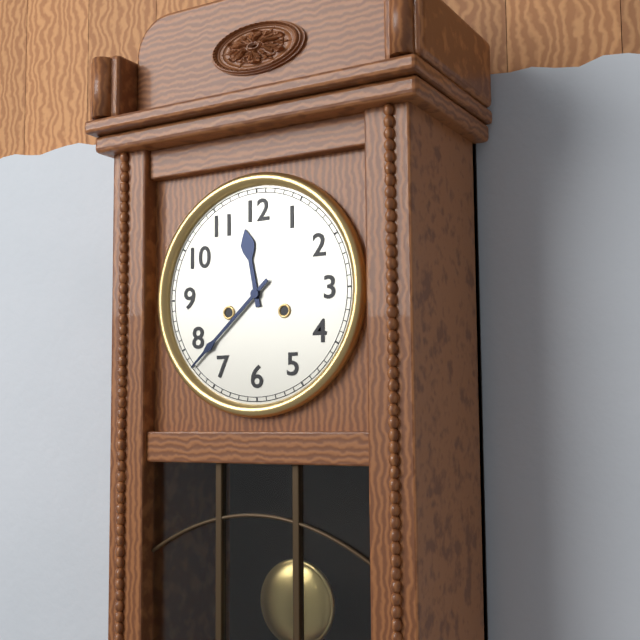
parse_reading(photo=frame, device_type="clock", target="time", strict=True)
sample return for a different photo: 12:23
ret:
11:38
